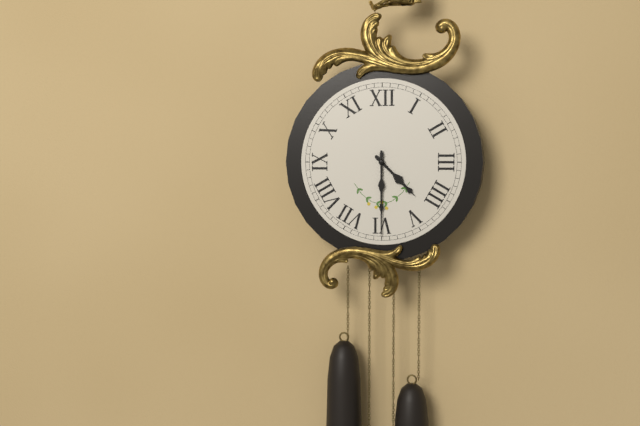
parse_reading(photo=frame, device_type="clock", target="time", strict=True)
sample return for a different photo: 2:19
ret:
4:30
